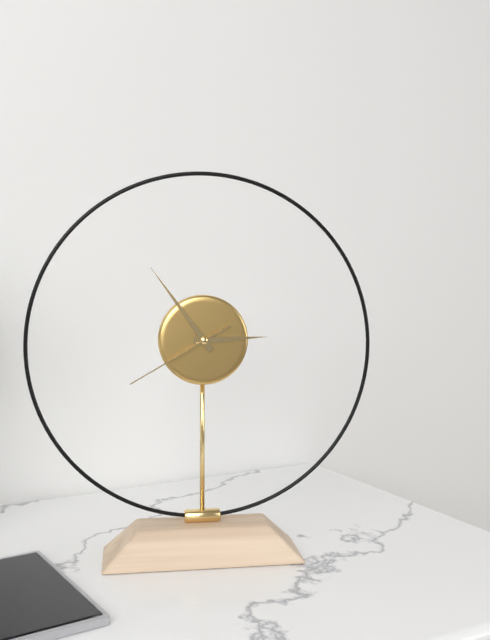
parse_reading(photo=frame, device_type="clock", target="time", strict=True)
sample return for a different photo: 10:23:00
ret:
2:54:40
